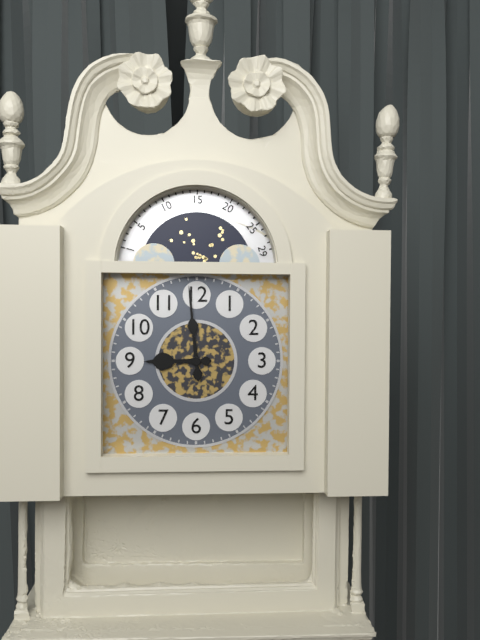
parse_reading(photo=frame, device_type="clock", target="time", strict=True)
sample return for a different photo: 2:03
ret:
8:59
